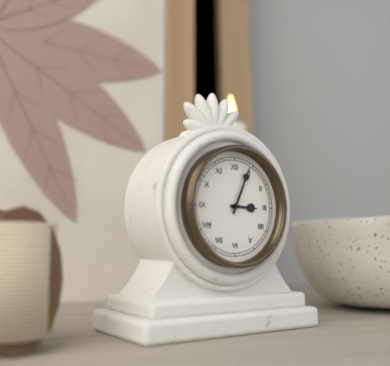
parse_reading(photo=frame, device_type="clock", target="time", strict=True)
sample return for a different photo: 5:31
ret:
3:04
